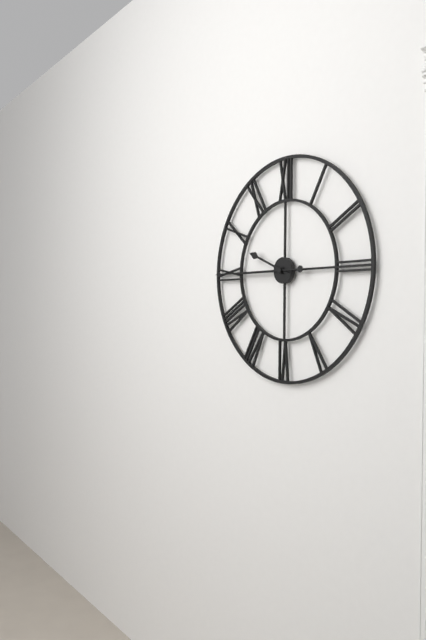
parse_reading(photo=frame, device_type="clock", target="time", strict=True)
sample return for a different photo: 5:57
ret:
9:45
